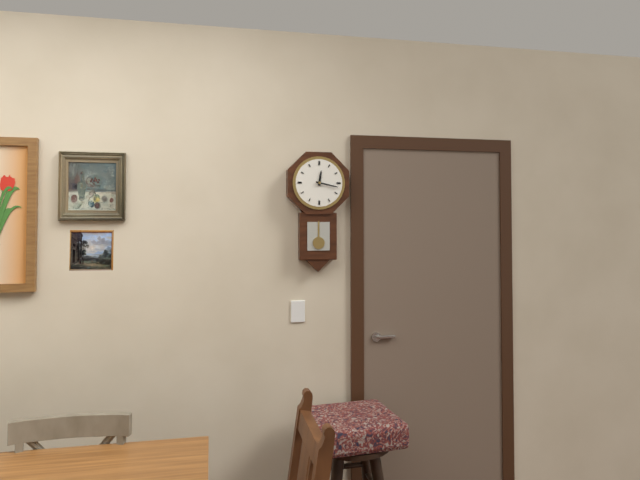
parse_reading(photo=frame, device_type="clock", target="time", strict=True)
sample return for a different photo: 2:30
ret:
12:17
